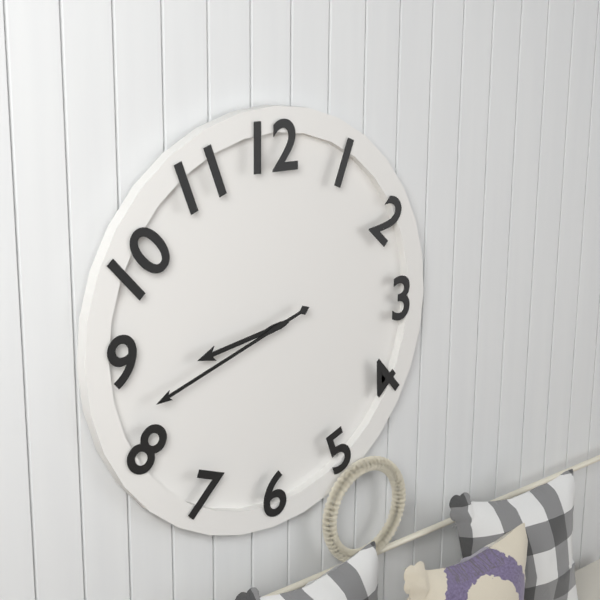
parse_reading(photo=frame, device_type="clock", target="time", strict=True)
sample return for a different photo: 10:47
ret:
8:42
